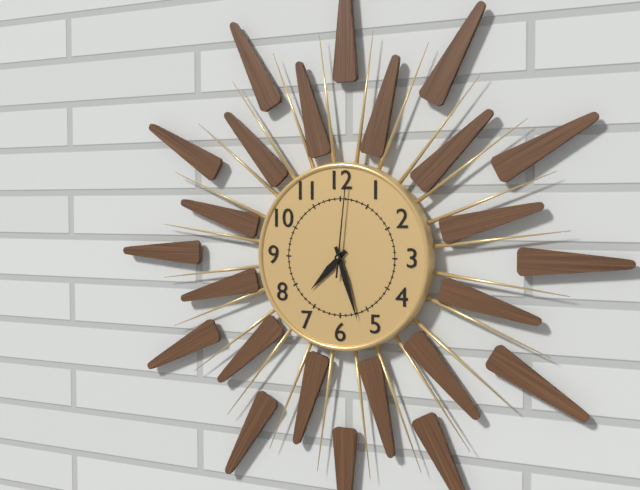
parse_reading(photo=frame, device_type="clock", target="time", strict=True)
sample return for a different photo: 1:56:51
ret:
7:27:01
